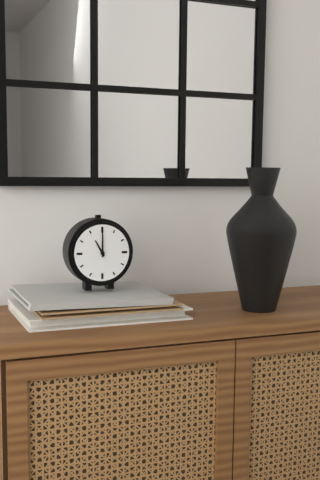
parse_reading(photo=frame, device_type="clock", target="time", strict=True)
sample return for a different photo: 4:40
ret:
11:00
